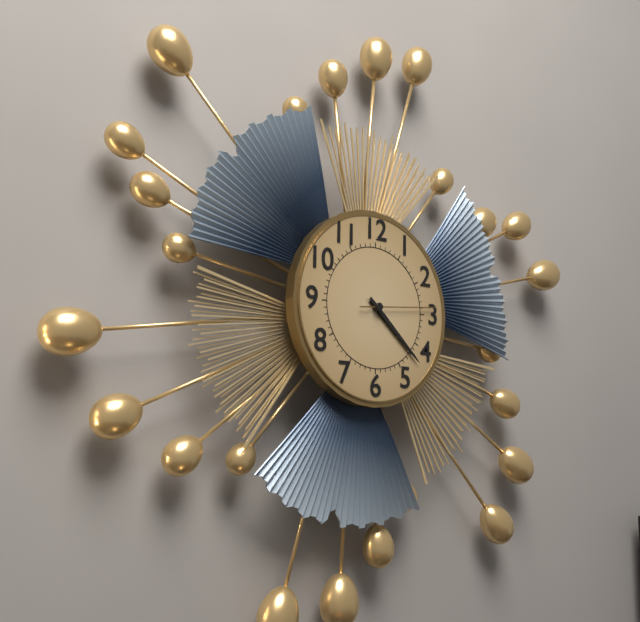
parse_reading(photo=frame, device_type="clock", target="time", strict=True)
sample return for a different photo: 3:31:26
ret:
4:22:14
